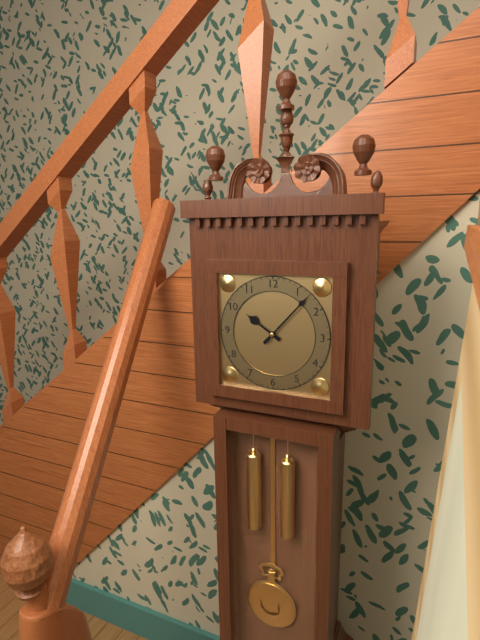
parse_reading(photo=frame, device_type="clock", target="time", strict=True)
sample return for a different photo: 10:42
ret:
10:07
